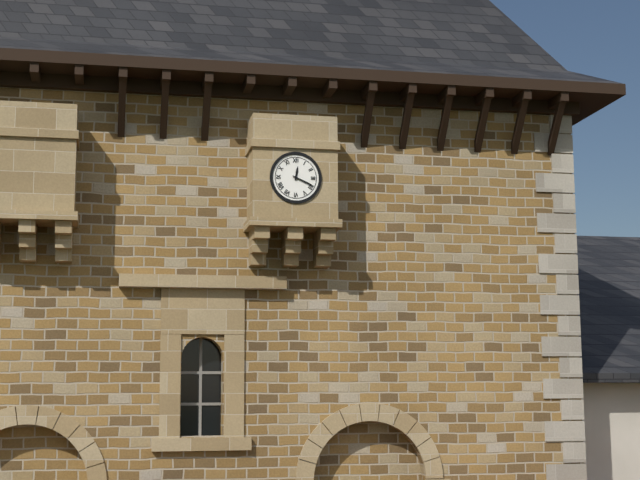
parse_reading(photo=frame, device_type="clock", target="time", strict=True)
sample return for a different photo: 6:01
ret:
12:19
